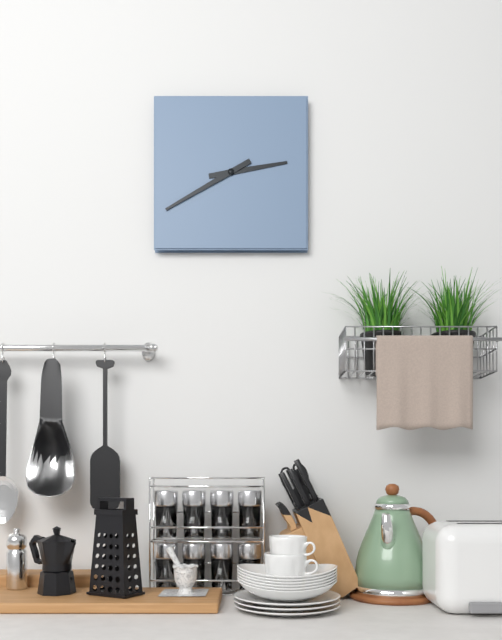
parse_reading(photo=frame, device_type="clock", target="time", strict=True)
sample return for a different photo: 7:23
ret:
2:40
